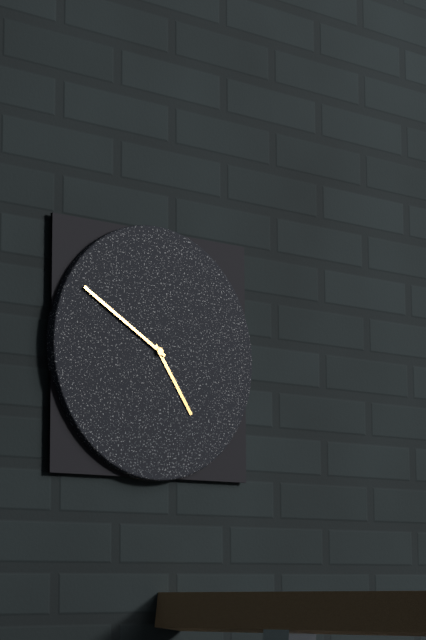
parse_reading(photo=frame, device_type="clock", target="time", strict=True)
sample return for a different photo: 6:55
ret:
4:50
